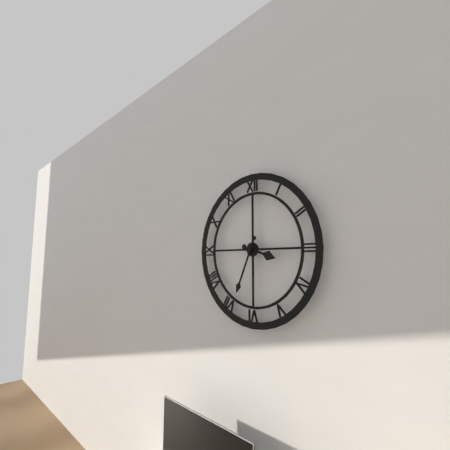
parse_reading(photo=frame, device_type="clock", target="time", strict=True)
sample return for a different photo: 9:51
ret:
3:34
